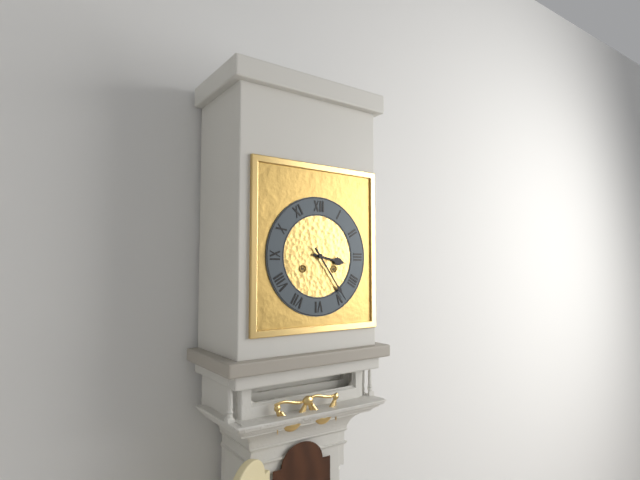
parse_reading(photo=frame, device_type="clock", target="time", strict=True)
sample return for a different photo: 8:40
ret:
3:24
